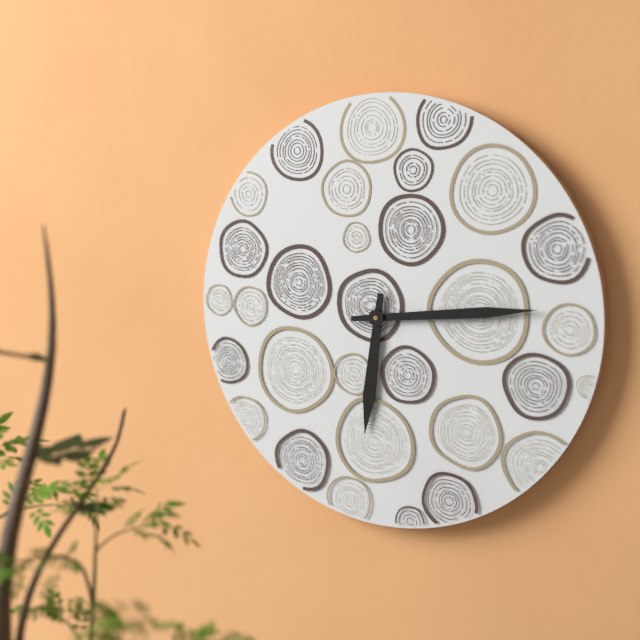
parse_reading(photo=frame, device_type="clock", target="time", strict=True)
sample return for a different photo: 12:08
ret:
6:14
